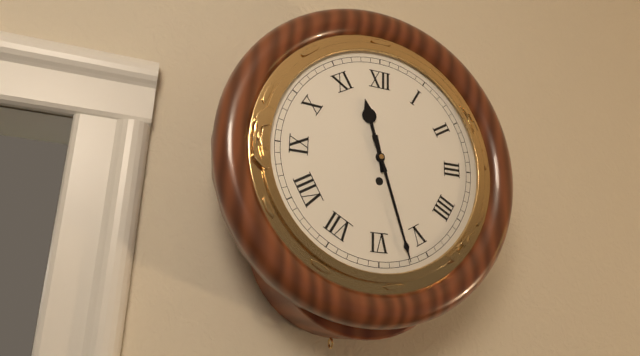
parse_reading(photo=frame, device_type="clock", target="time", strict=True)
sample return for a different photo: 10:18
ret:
11:27
